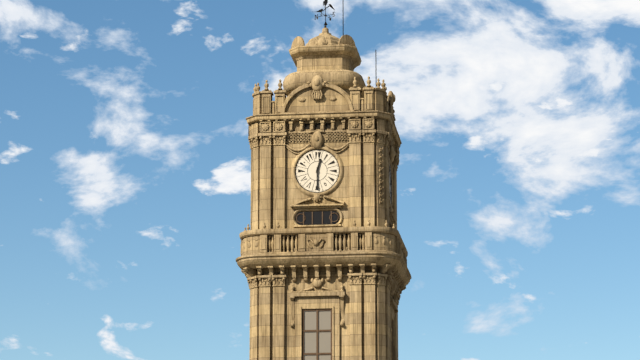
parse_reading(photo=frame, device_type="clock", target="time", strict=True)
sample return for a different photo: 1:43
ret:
12:30
